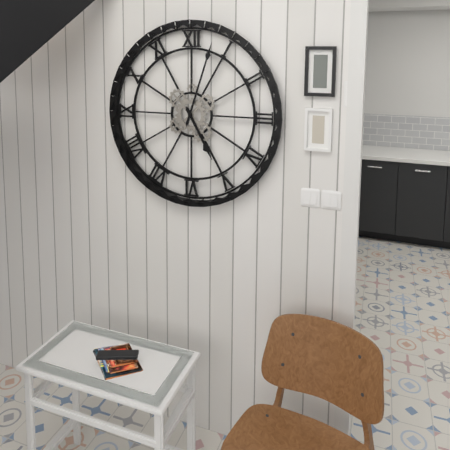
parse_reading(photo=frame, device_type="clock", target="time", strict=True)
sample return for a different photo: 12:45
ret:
5:03
